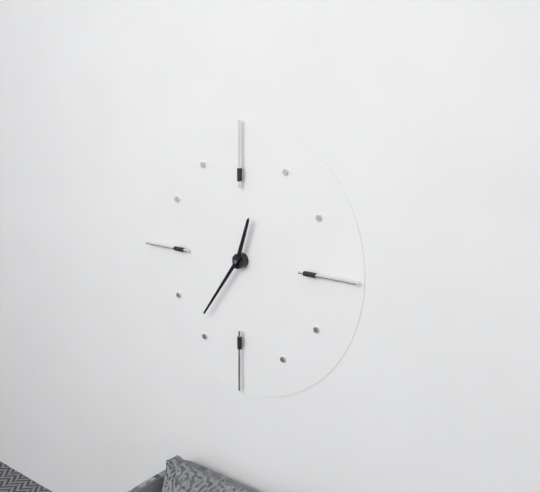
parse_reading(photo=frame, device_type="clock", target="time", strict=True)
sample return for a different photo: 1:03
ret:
12:36
